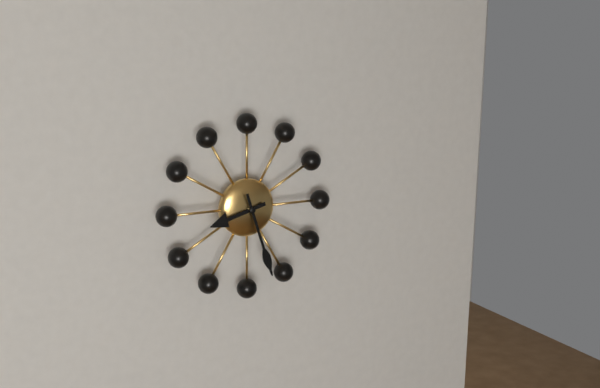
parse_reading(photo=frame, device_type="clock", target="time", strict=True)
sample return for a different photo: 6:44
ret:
8:27
